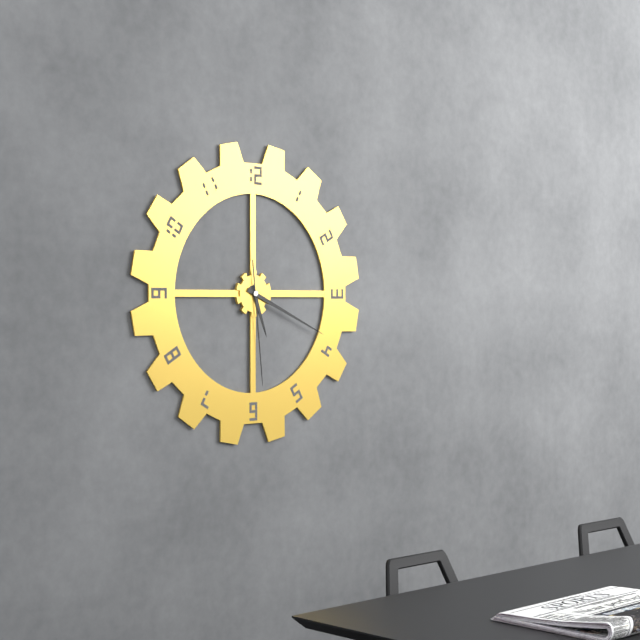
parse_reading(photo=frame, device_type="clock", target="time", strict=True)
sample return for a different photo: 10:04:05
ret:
5:19:29
